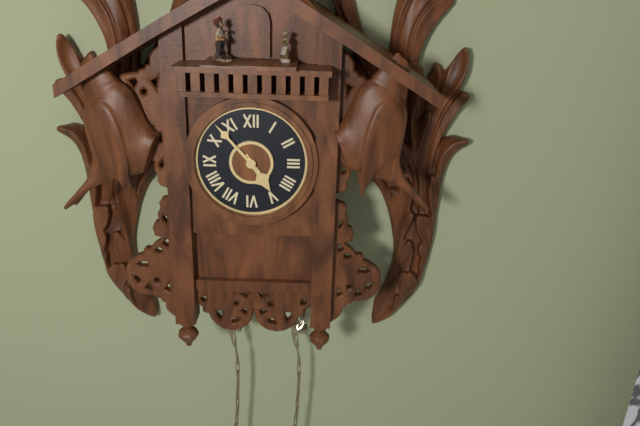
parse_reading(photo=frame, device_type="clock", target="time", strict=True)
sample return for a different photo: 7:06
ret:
4:53
